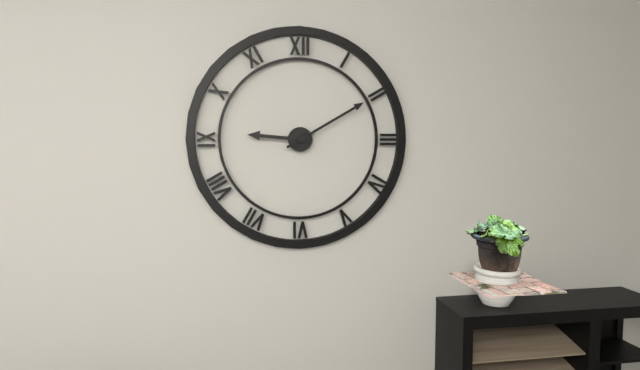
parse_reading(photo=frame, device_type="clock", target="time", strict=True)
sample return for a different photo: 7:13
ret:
9:10
